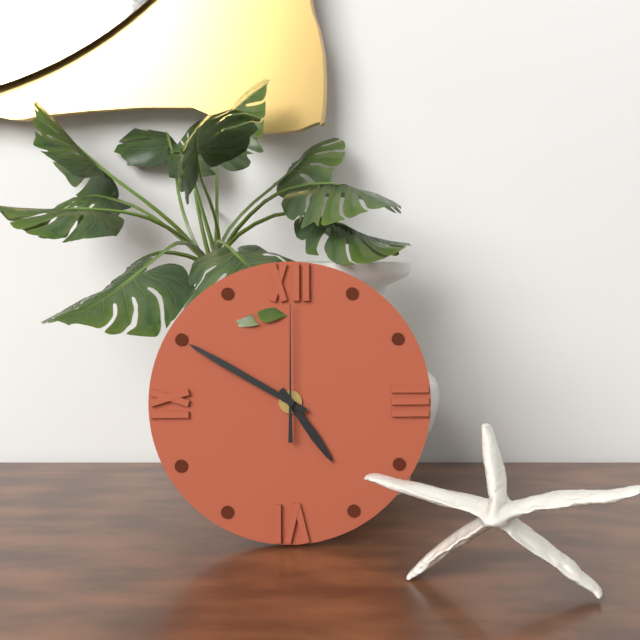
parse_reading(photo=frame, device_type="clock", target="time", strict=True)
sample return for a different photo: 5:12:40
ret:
4:50:00
